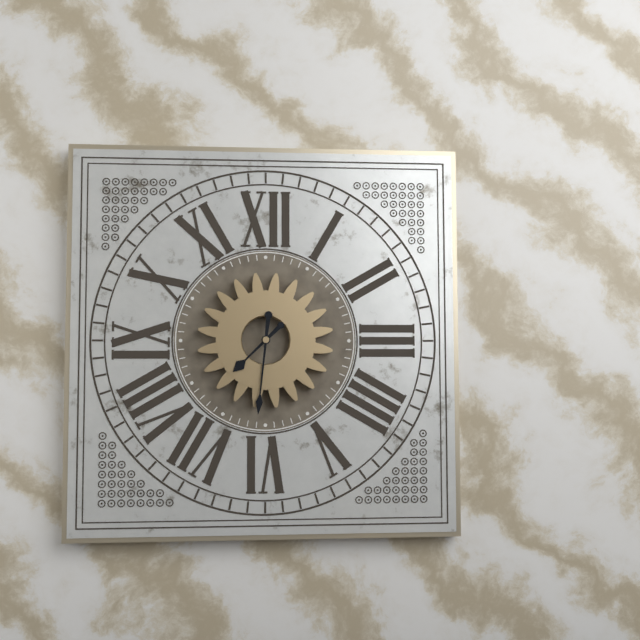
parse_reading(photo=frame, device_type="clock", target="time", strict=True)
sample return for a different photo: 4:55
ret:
7:31
